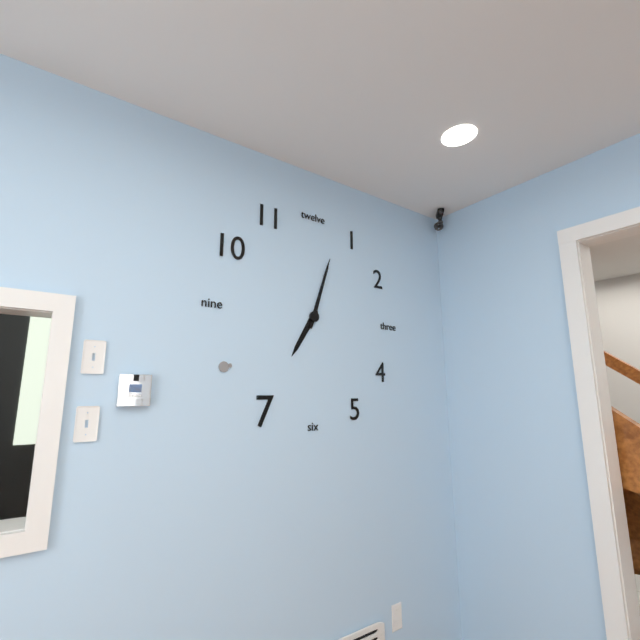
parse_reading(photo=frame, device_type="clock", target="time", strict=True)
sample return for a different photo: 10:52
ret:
7:03
